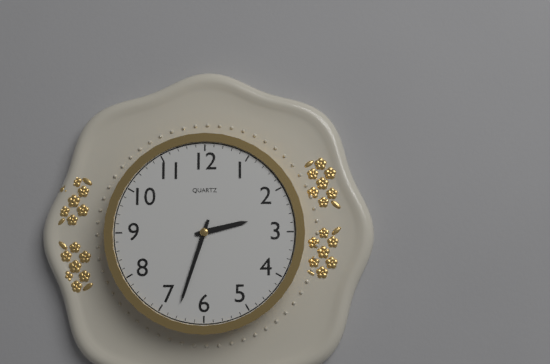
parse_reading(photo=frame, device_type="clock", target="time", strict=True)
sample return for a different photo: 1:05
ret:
2:33
